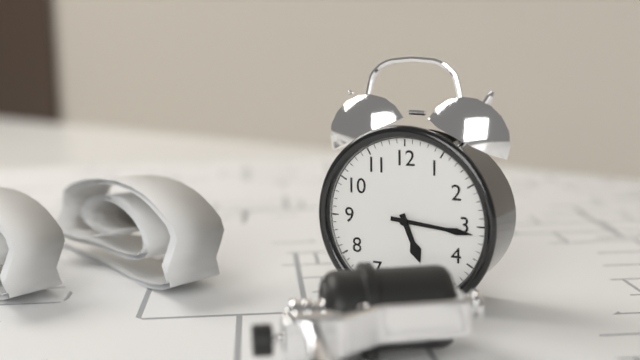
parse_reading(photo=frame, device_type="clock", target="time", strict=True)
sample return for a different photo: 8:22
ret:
5:16
